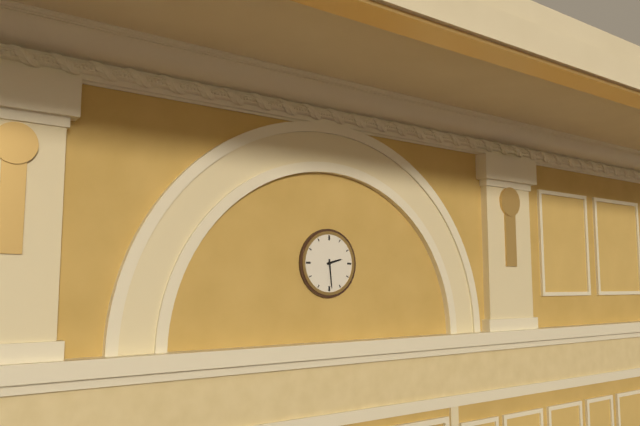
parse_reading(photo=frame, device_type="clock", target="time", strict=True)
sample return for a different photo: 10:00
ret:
2:29
